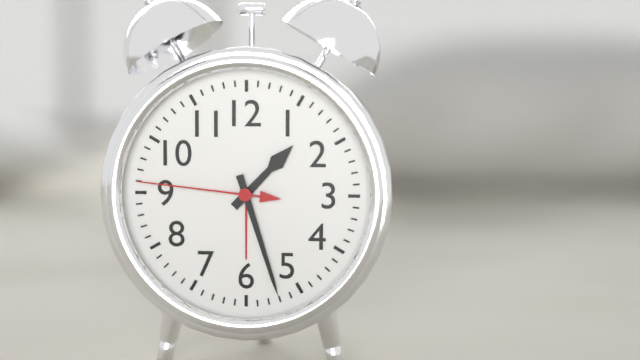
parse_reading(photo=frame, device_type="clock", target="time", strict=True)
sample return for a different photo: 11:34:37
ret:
1:27:46
